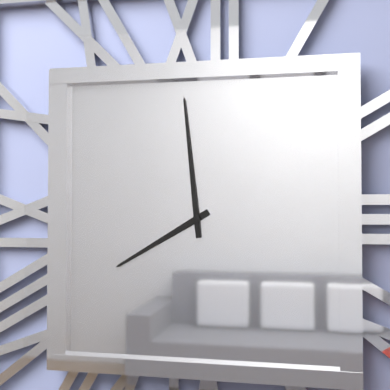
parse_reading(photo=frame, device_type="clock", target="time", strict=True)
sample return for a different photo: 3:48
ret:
7:59
